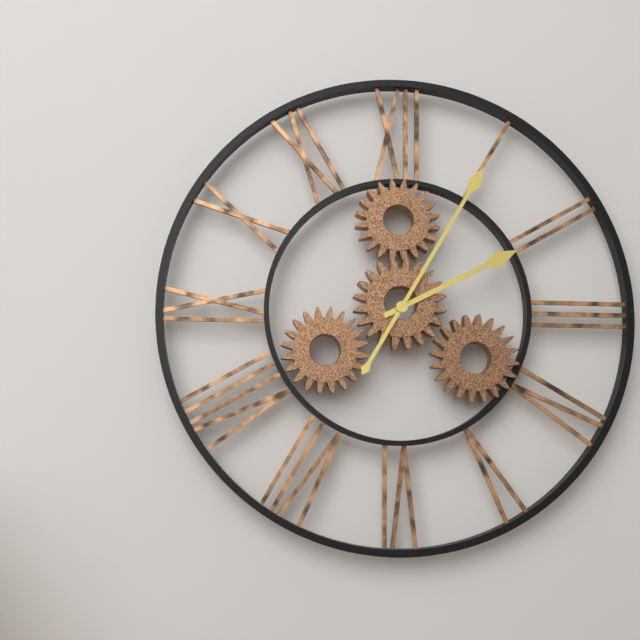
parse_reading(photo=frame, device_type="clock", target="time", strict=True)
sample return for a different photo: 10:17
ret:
2:05
